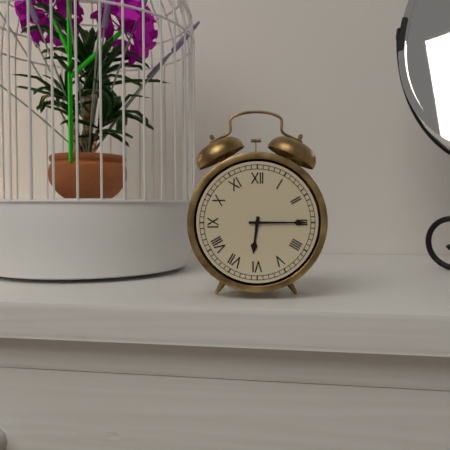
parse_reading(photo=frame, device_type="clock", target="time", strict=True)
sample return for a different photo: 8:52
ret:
6:15
